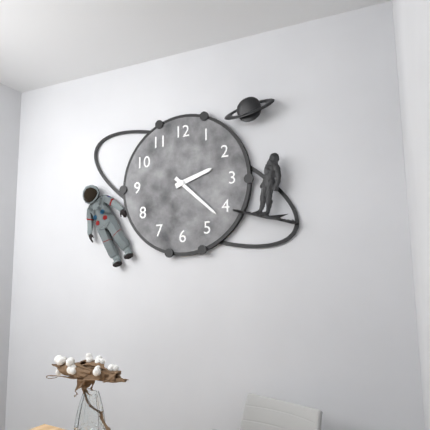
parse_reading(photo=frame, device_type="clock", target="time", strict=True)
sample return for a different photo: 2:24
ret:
2:22
